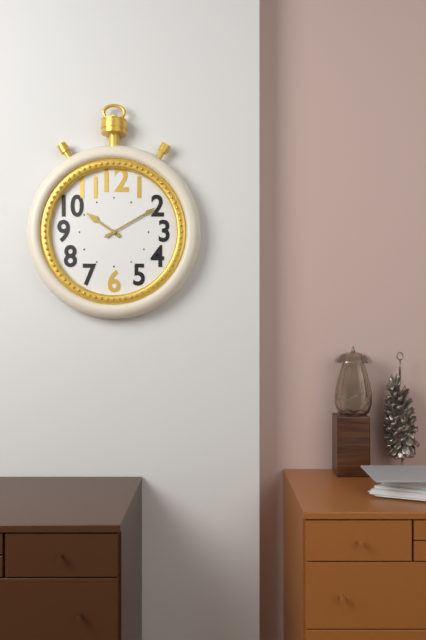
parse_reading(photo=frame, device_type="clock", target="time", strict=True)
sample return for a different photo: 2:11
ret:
10:10
